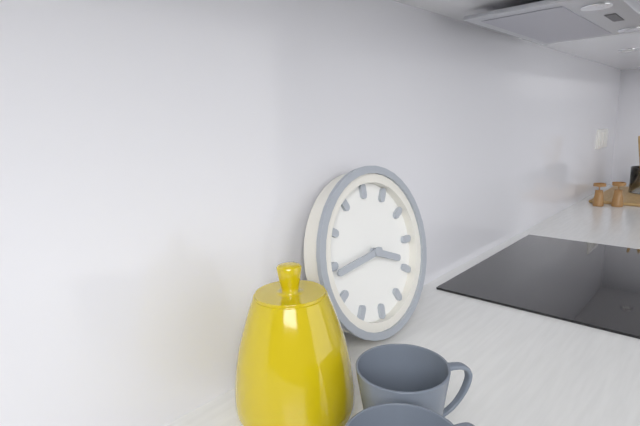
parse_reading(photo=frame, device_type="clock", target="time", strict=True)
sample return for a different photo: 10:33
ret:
3:44
